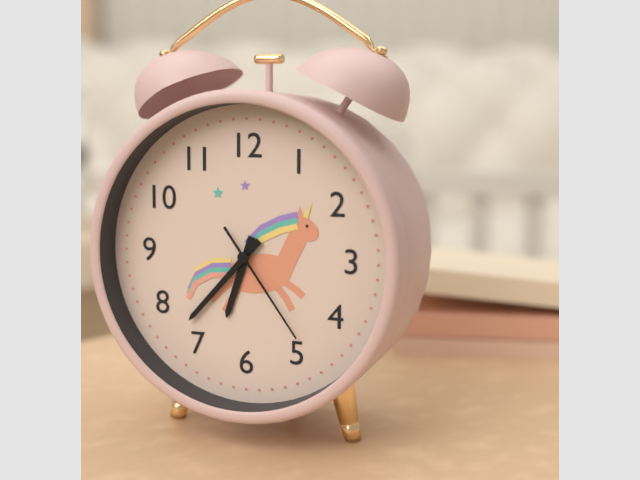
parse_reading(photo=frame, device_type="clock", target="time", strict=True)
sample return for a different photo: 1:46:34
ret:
6:37:24
